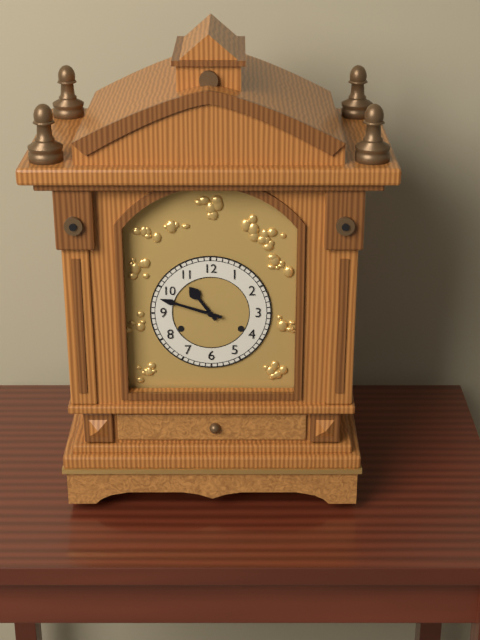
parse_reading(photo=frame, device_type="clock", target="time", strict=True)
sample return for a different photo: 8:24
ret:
10:48
